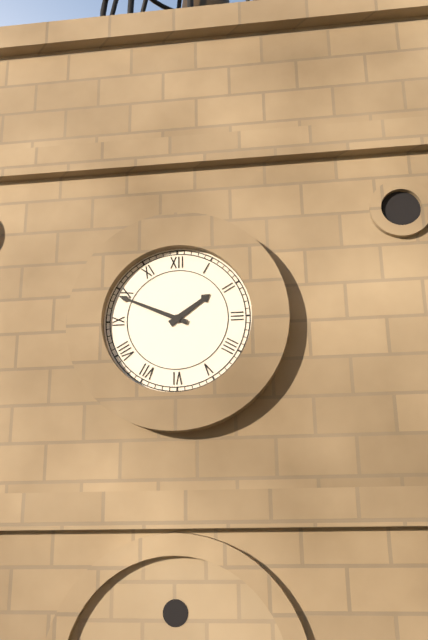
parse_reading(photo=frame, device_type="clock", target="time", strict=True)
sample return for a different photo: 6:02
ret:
1:49
